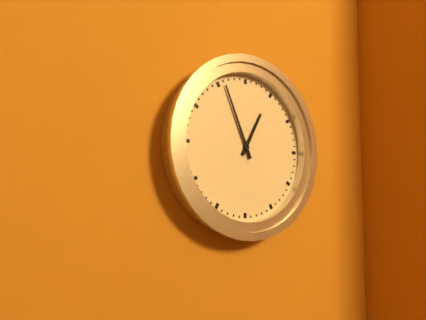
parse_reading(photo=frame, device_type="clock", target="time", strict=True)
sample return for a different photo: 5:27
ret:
12:56
